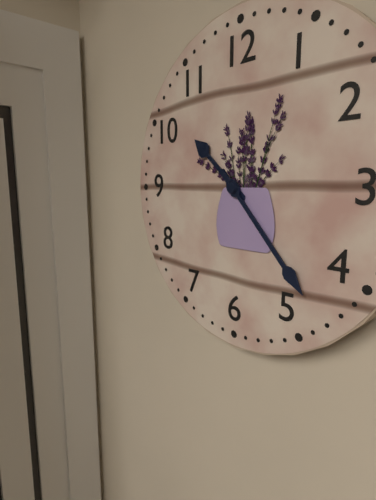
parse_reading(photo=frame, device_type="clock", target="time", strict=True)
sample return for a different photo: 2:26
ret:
10:23
